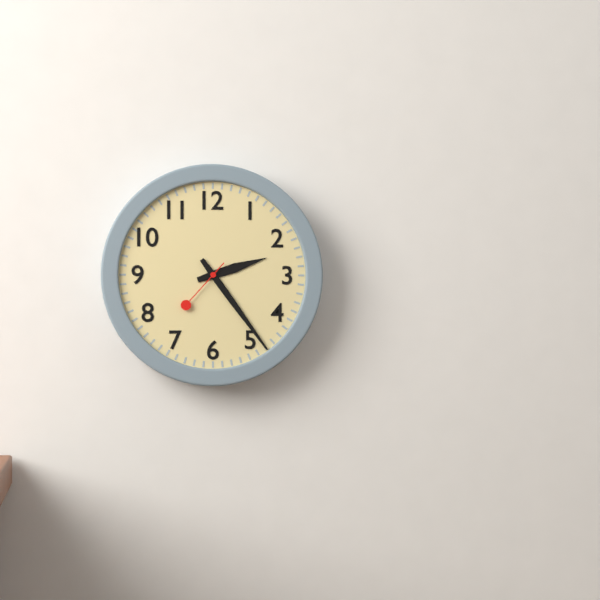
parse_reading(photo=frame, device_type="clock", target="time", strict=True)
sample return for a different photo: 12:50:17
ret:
2:24:37
